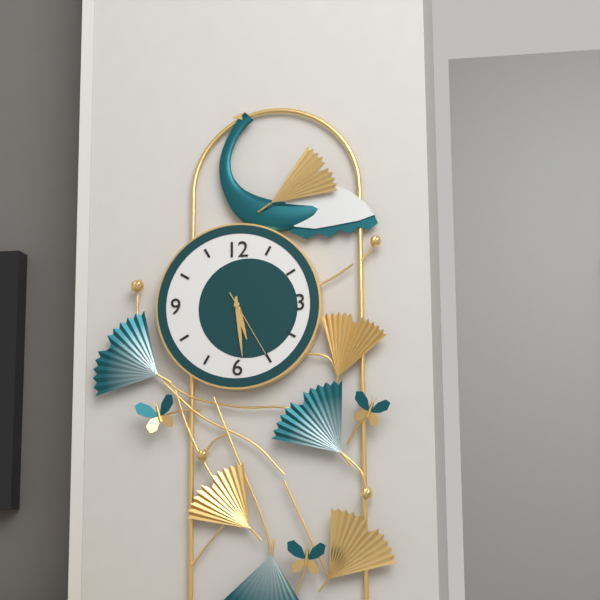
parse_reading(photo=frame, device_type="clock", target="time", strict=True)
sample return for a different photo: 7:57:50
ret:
5:29:25
